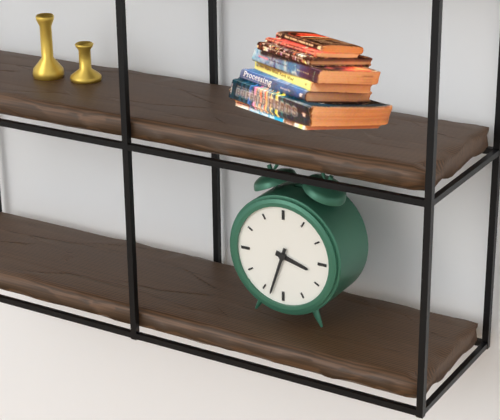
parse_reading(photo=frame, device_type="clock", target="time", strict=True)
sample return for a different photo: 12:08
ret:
3:33
